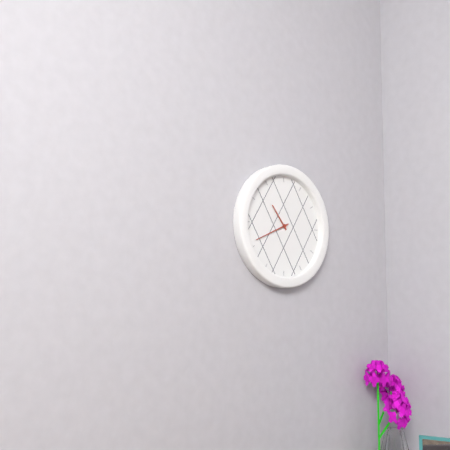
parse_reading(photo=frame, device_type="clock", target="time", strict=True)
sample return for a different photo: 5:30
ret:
10:41
